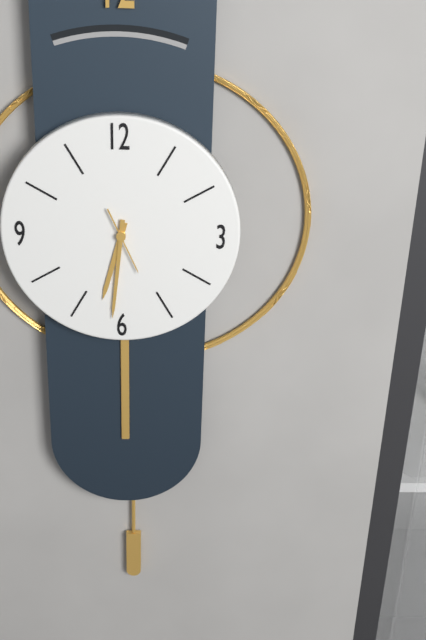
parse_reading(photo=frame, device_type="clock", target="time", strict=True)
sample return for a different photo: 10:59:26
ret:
6:31:26
